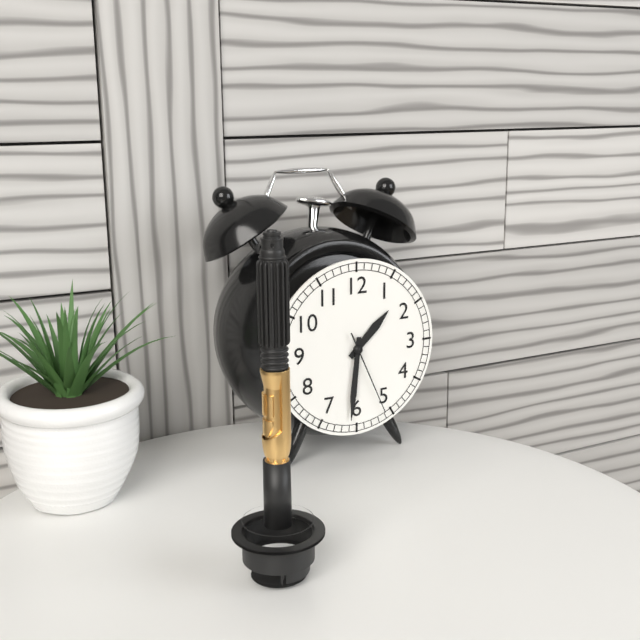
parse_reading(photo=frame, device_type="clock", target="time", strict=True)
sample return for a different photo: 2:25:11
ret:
1:31:26
